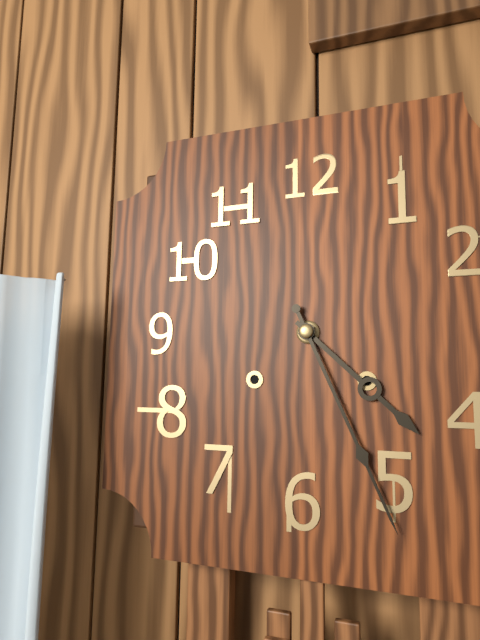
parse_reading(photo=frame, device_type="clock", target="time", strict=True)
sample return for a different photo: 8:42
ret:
4:26
